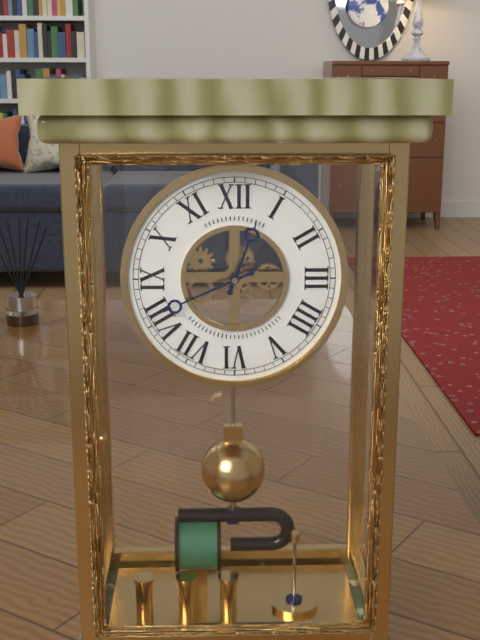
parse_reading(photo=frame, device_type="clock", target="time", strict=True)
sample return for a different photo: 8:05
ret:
12:41
